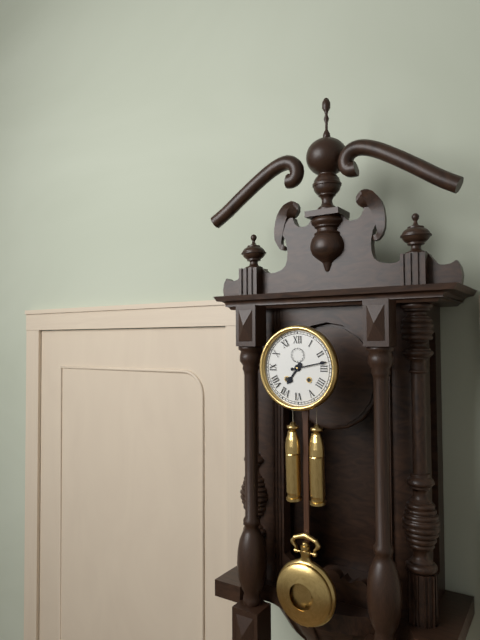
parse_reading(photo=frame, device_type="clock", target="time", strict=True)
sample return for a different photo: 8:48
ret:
7:13
